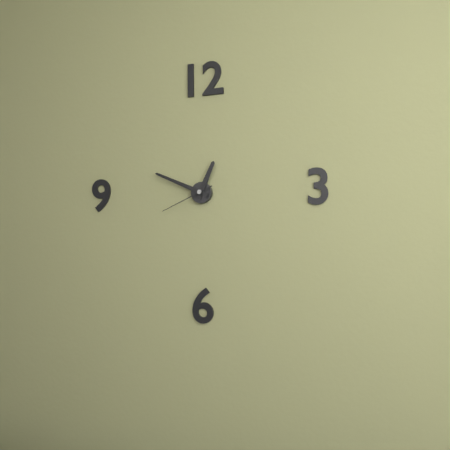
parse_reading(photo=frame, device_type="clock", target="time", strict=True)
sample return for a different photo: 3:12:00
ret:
12:49:41
